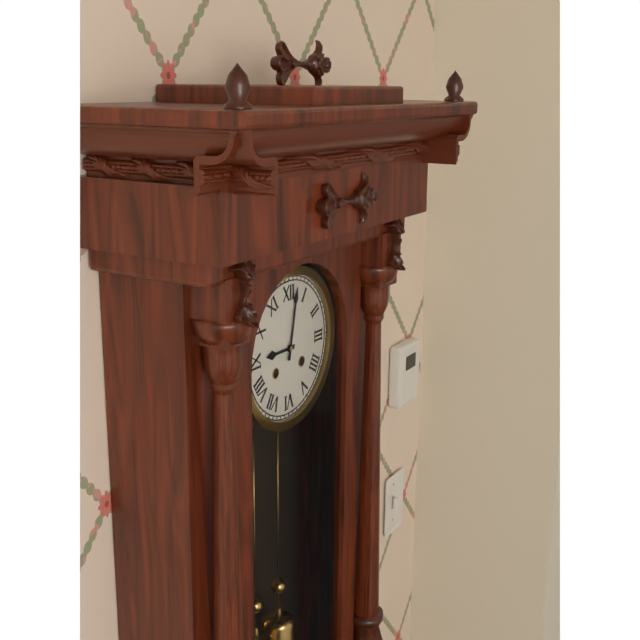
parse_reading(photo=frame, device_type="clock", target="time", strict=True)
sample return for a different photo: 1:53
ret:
9:02
